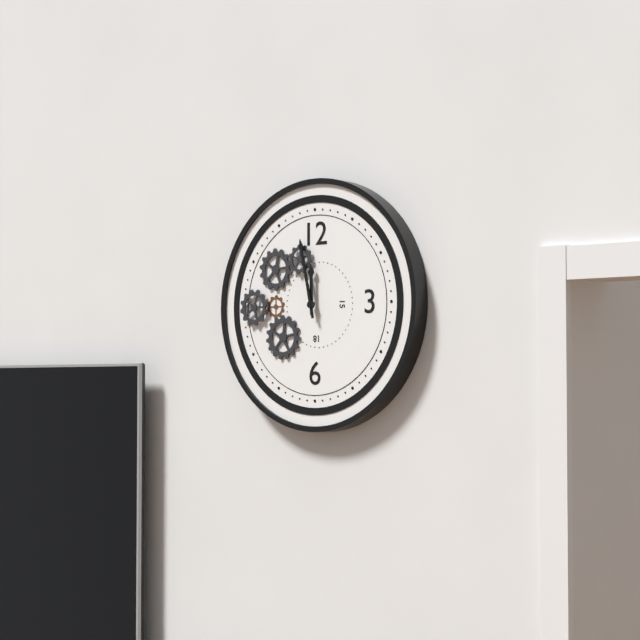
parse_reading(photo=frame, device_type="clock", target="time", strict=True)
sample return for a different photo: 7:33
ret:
11:58
